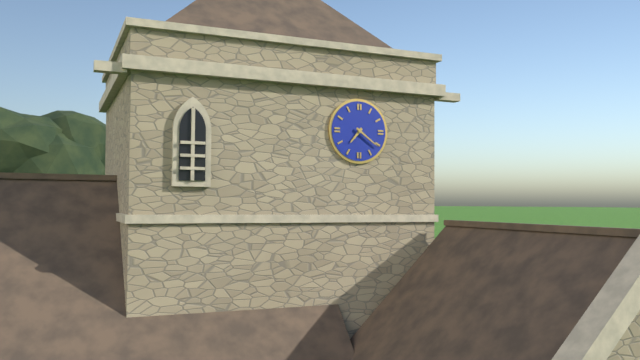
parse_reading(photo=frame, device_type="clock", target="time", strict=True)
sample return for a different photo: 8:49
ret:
7:21
